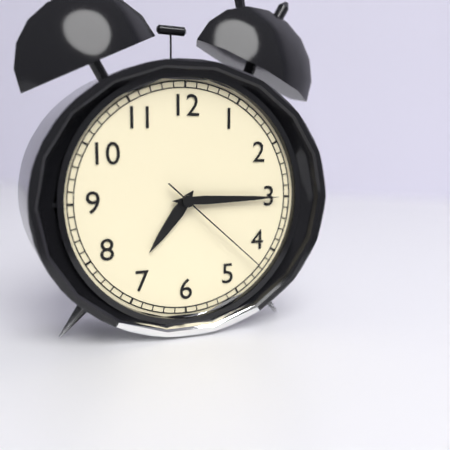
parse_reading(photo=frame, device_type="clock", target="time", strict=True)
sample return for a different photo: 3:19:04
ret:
7:15:22
